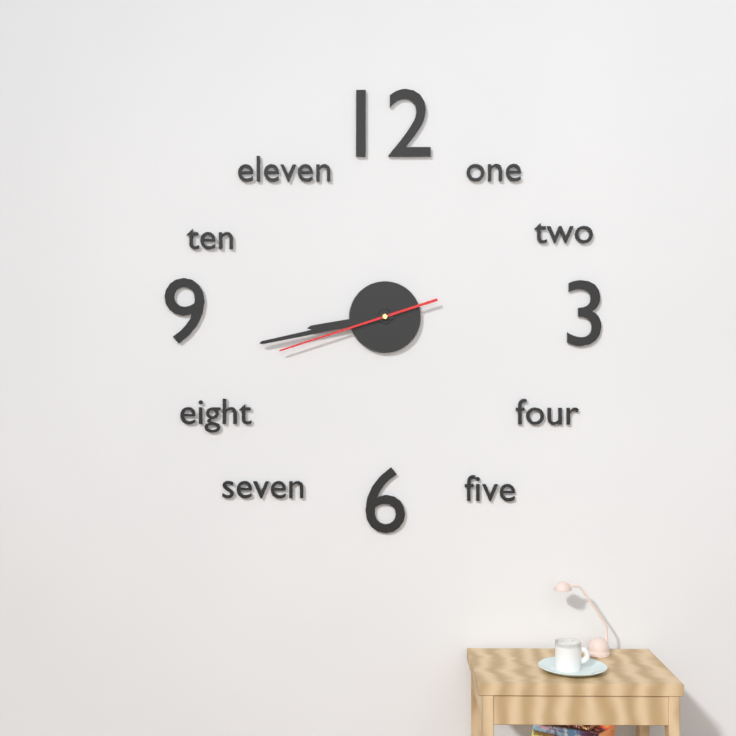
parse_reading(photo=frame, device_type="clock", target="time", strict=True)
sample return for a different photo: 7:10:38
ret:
8:43:42
